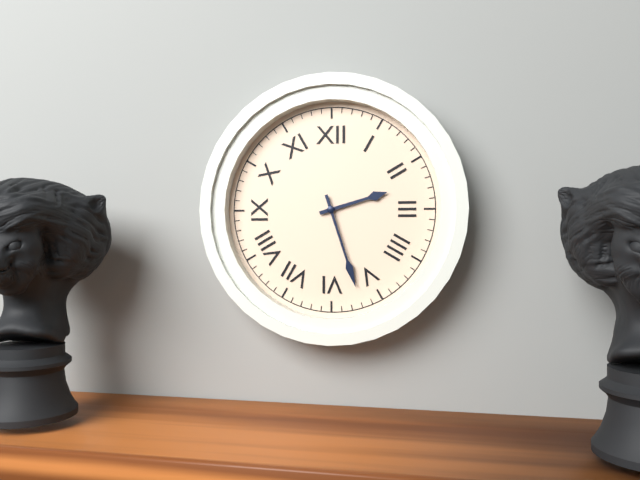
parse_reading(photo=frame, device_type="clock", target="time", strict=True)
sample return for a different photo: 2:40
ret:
2:27
